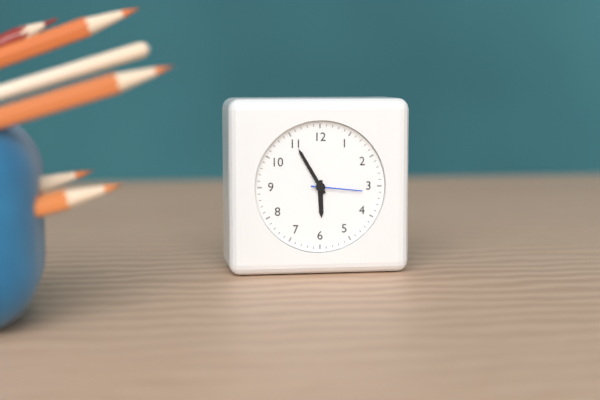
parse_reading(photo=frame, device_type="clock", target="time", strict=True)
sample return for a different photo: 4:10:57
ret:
5:55:16
